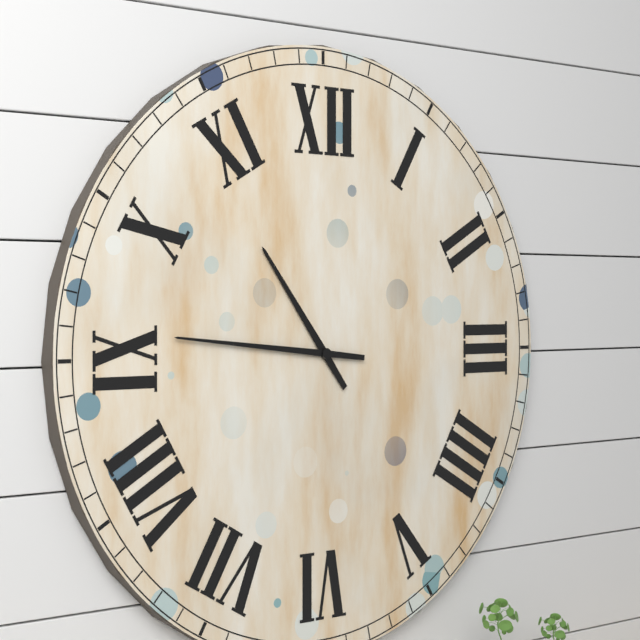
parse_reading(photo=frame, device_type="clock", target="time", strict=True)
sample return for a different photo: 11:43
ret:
10:46
